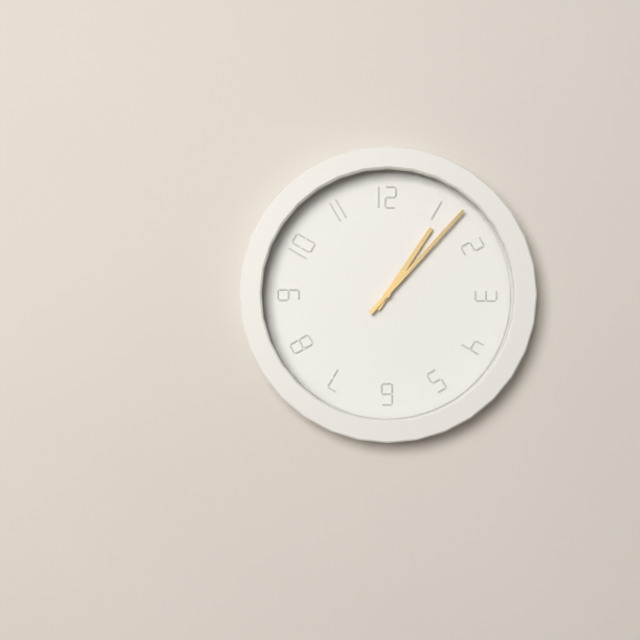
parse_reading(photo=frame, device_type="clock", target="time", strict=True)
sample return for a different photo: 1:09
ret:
1:07
